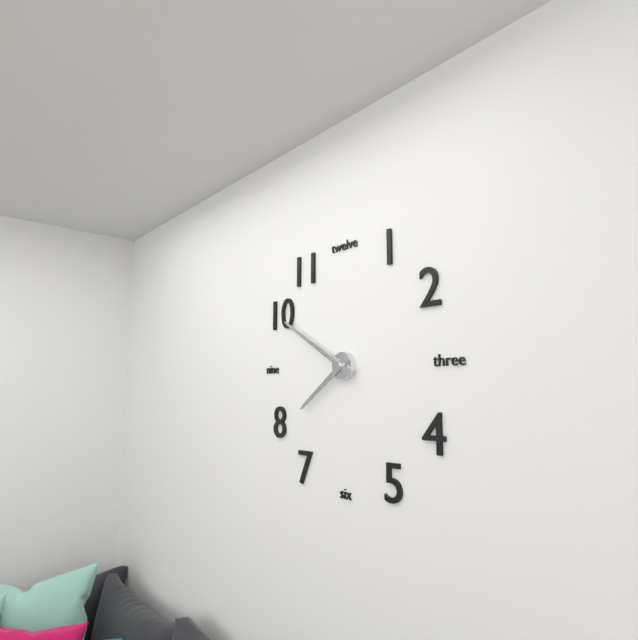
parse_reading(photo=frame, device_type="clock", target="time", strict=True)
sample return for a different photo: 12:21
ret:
7:50
